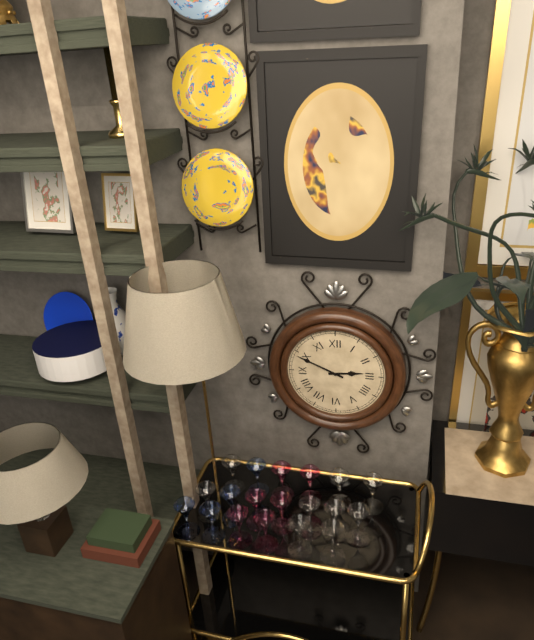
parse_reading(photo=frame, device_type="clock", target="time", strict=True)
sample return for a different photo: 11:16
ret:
2:49
